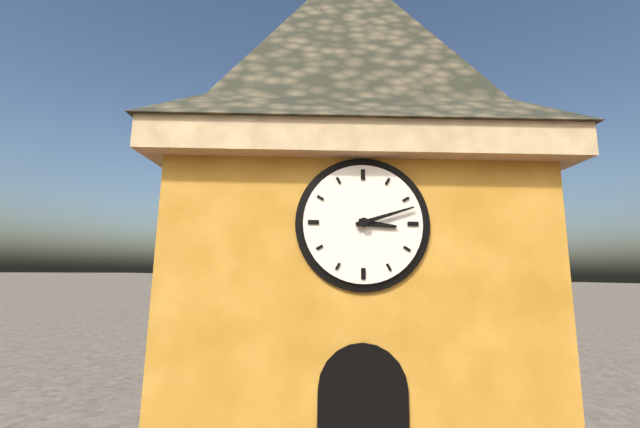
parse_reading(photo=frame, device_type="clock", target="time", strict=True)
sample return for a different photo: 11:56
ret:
3:12
